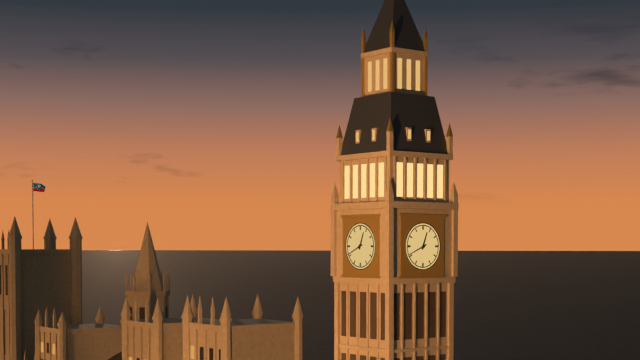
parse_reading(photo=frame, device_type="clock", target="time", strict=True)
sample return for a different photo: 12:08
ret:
12:41
